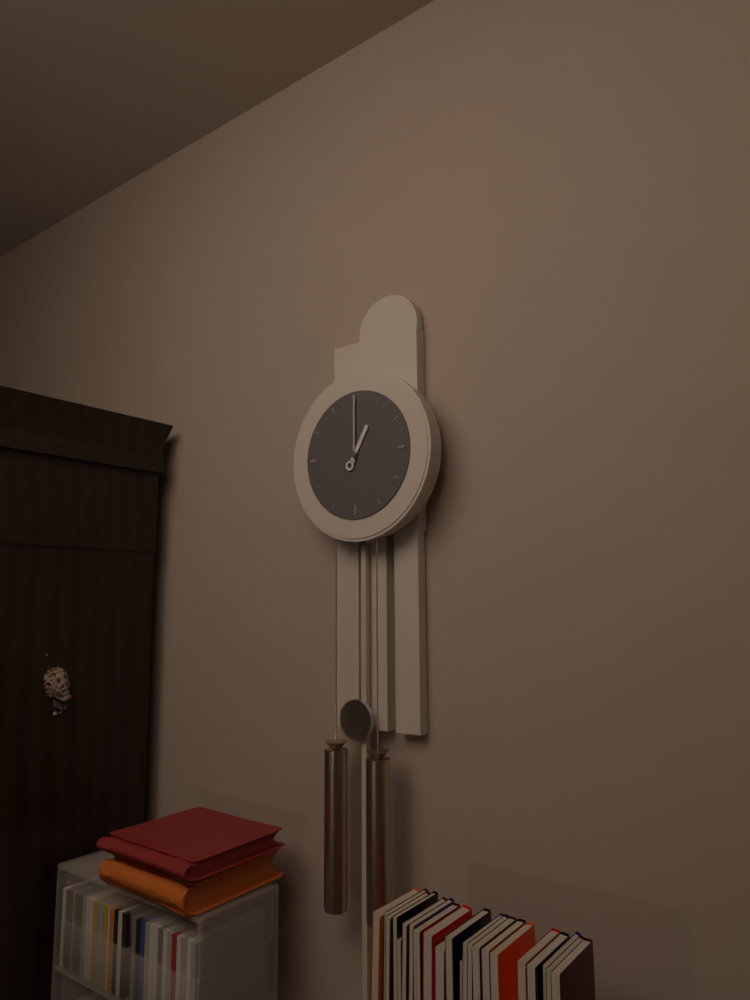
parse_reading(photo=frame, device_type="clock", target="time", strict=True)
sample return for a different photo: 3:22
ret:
1:00
